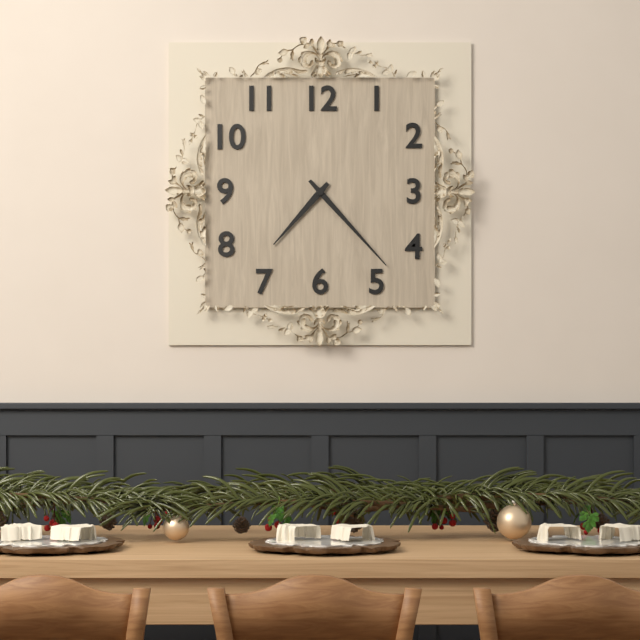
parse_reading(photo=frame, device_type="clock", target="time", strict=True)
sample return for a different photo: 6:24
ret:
7:23
